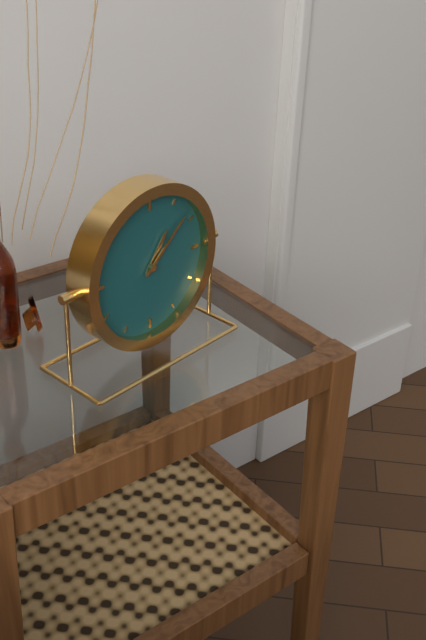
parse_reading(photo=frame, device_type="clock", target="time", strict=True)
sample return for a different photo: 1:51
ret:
1:08
